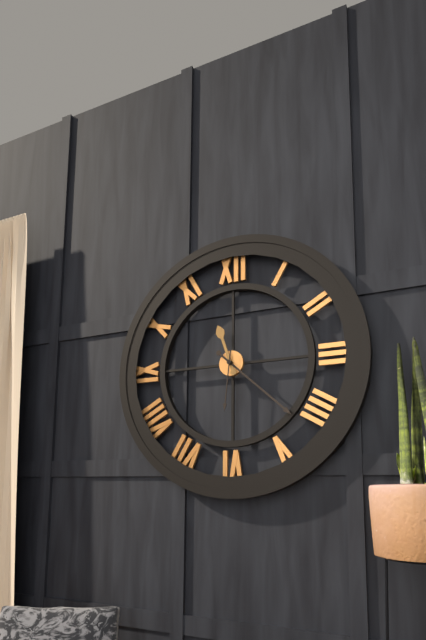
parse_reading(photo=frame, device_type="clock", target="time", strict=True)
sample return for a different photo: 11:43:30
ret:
11:22:31
